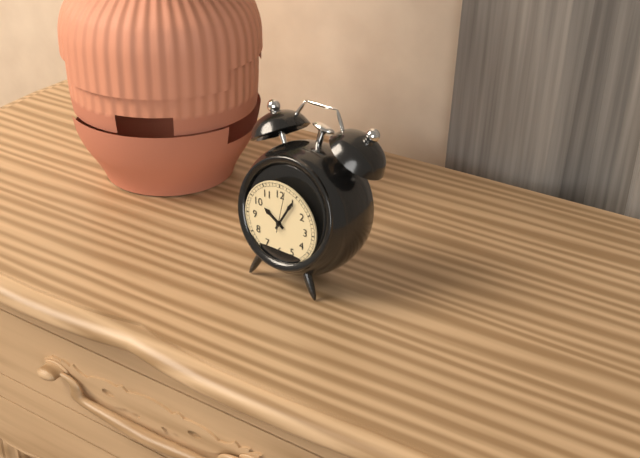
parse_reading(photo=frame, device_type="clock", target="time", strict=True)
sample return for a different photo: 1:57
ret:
10:05
